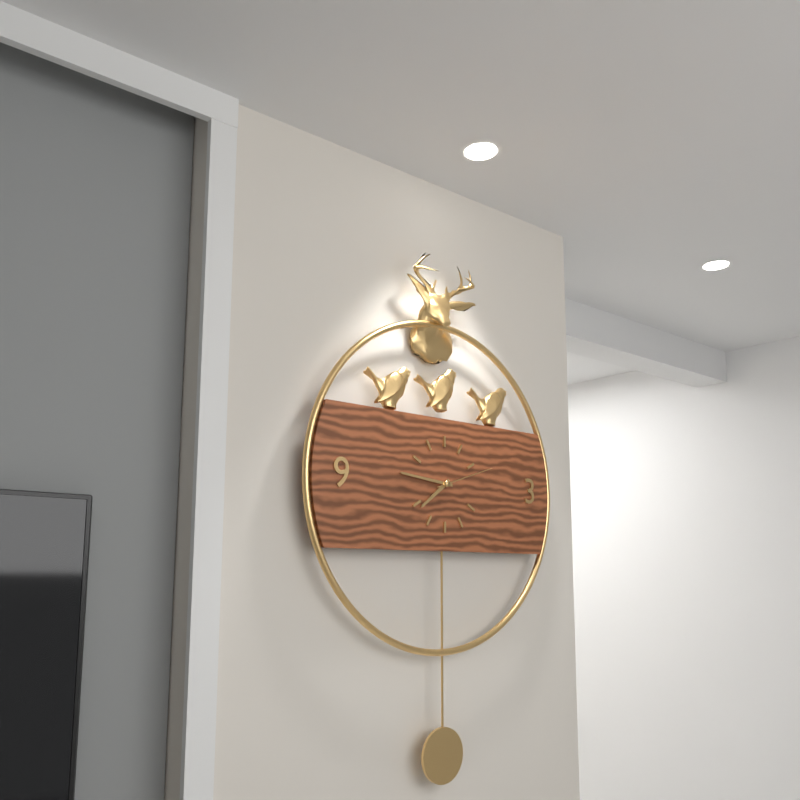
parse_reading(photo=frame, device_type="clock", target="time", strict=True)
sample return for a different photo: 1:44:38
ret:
7:46:12
